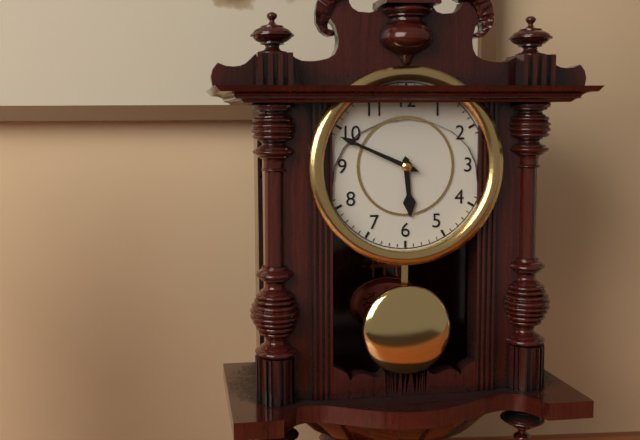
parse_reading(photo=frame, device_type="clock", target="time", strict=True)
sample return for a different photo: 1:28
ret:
5:49
